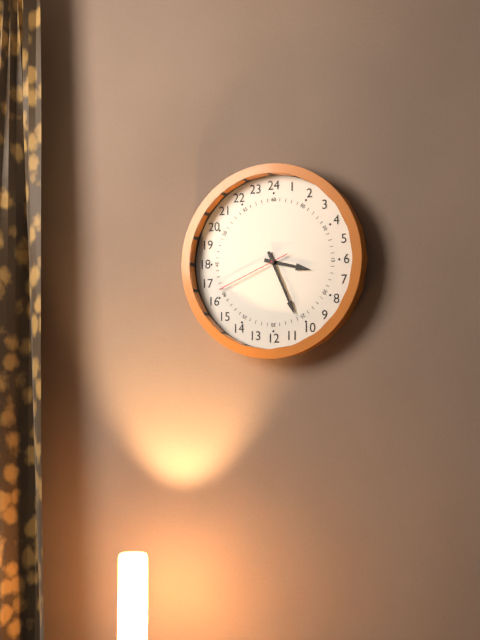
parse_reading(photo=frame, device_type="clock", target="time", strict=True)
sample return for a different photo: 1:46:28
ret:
3:26:41
